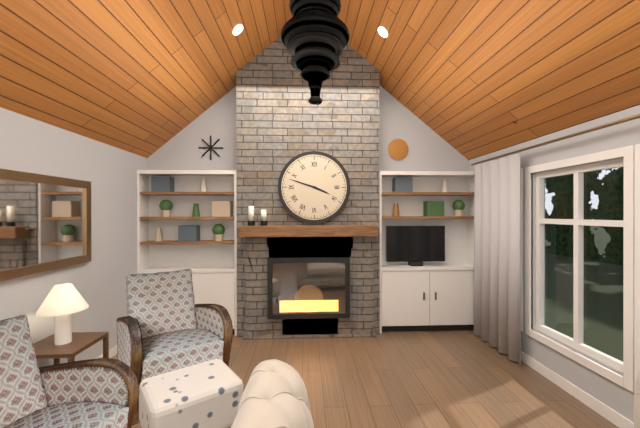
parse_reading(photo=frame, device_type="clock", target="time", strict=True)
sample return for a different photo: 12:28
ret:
3:48
